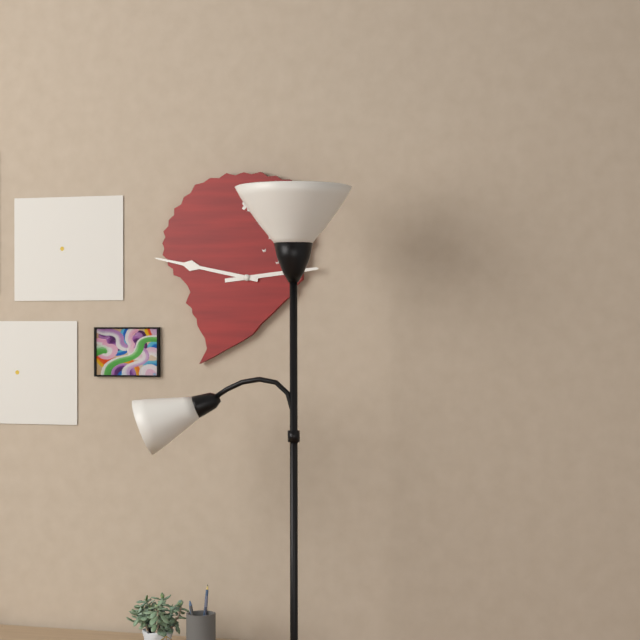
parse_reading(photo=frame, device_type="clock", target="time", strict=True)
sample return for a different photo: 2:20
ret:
2:47
